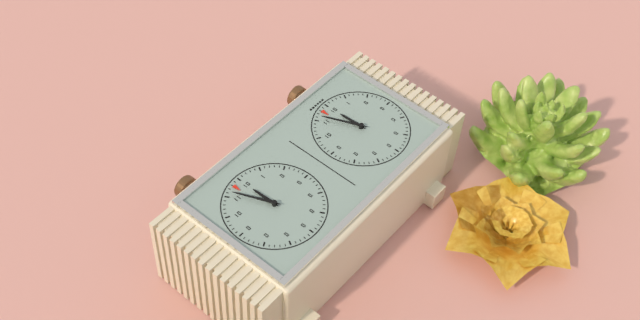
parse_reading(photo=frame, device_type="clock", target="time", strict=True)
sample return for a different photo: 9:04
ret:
11:56
